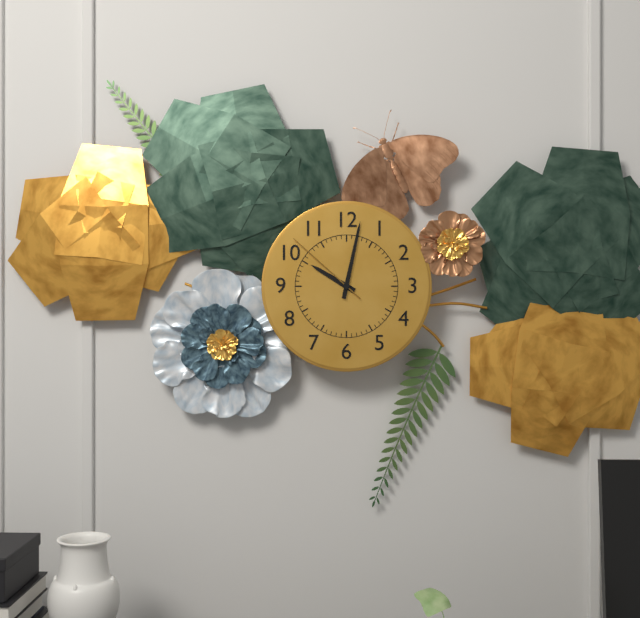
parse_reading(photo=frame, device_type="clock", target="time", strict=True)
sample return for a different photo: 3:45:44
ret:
10:02:52
